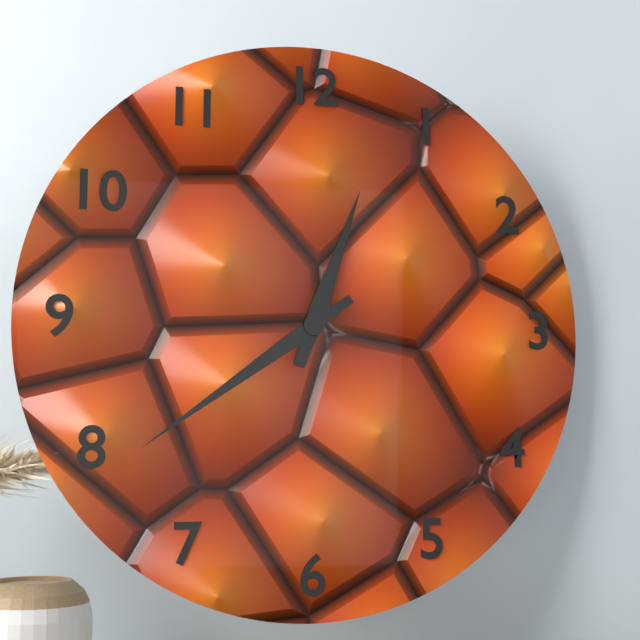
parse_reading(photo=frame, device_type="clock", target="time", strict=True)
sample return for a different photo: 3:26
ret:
12:39
